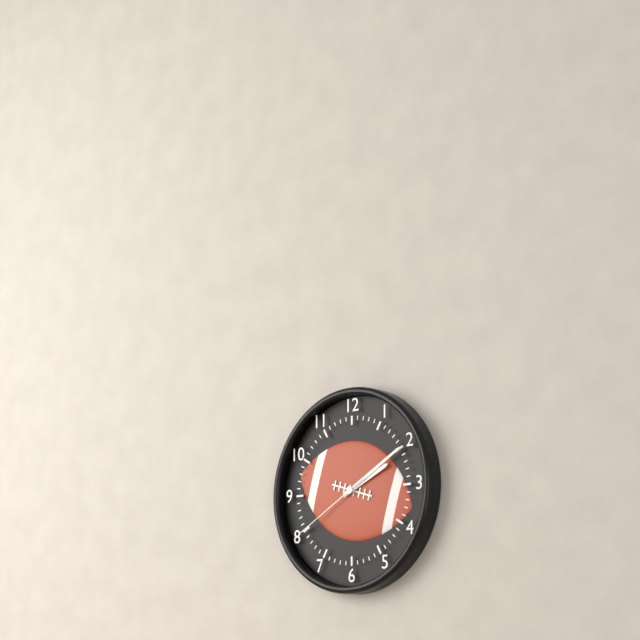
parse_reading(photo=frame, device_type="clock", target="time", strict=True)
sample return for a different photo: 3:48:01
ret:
2:10:40
